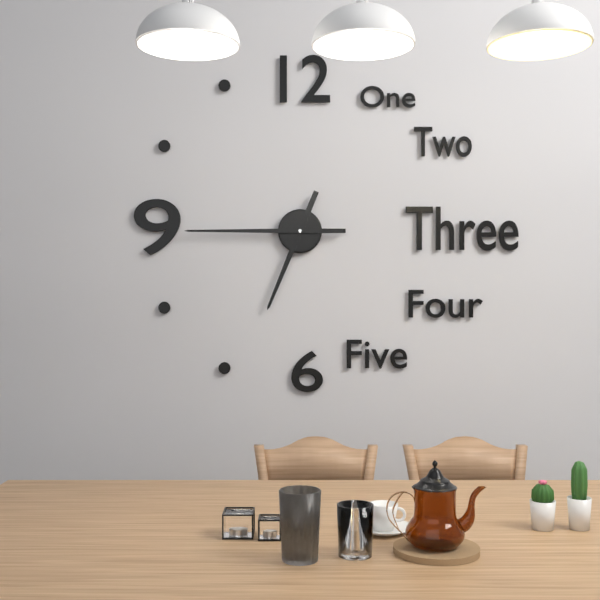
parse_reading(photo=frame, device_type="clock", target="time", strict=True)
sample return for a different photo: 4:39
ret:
6:45
